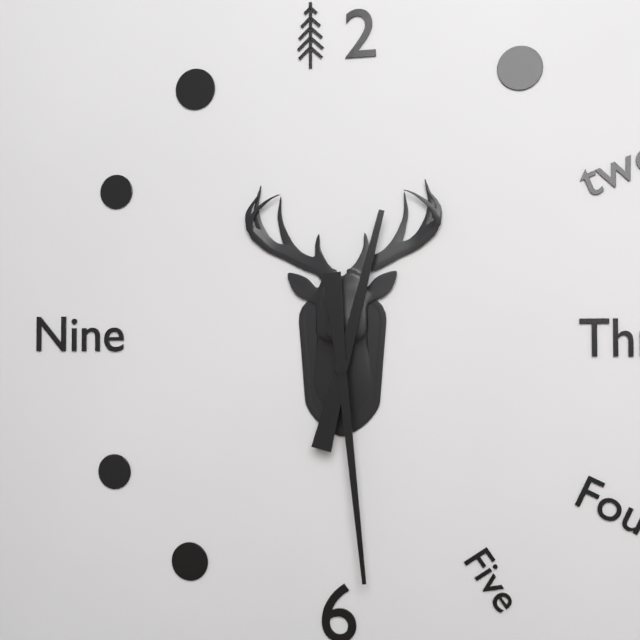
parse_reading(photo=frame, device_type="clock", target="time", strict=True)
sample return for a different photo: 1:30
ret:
12:29
